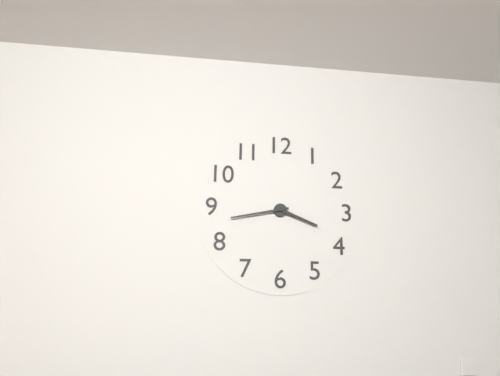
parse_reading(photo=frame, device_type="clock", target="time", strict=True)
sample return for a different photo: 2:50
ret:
3:43
